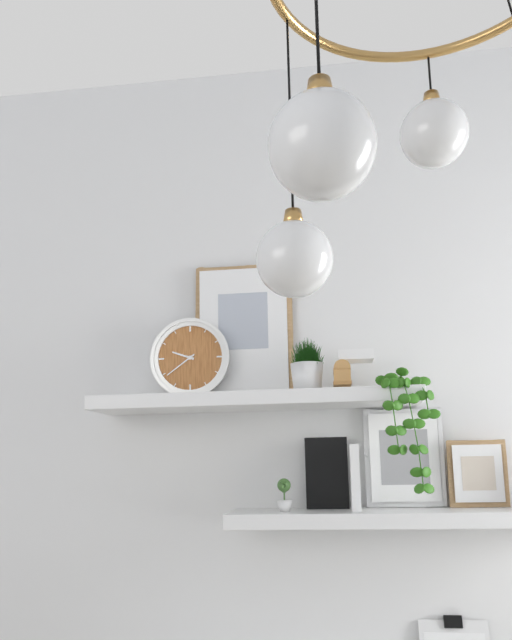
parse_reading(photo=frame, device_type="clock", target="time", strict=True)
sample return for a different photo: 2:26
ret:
9:39
